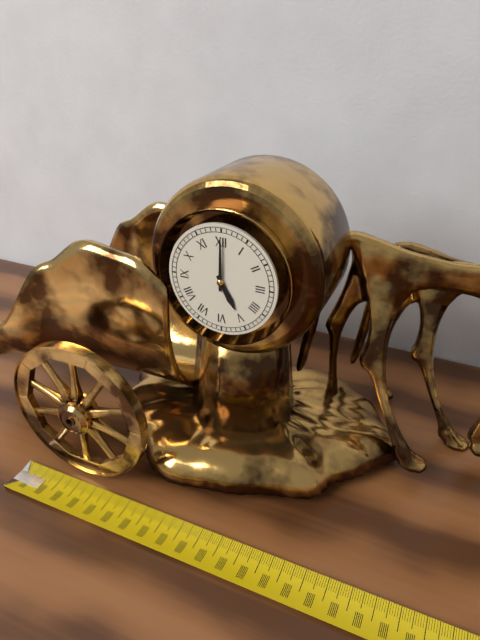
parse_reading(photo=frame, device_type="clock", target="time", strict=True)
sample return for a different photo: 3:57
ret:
5:00
